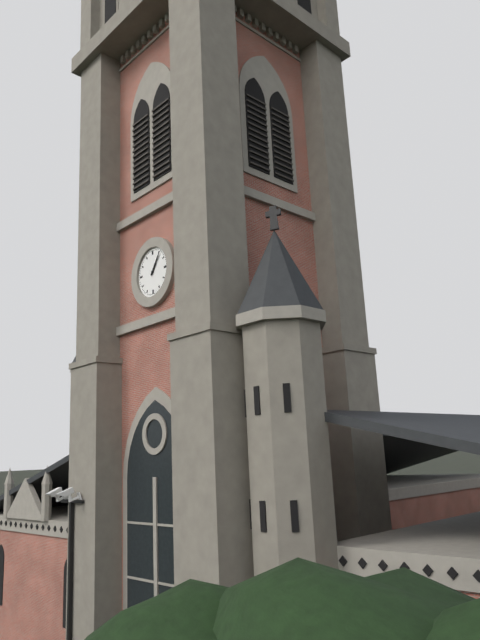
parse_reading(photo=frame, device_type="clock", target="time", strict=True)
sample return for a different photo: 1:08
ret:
1:06
